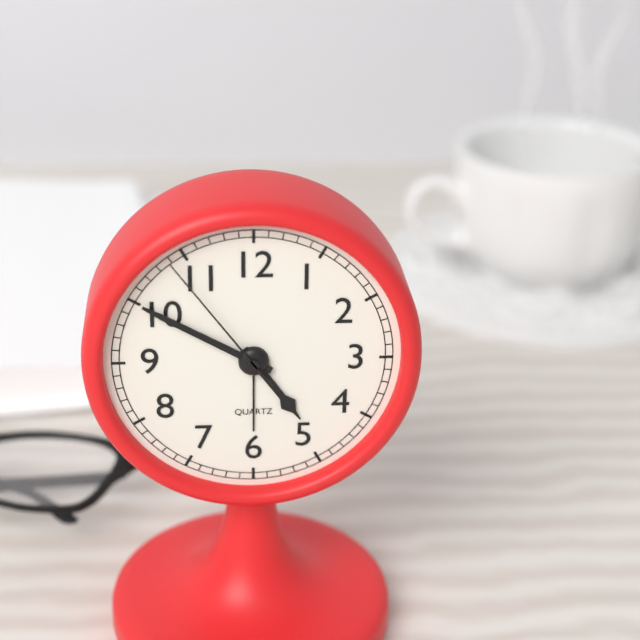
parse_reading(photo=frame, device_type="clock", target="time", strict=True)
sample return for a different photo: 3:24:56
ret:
4:50:54
